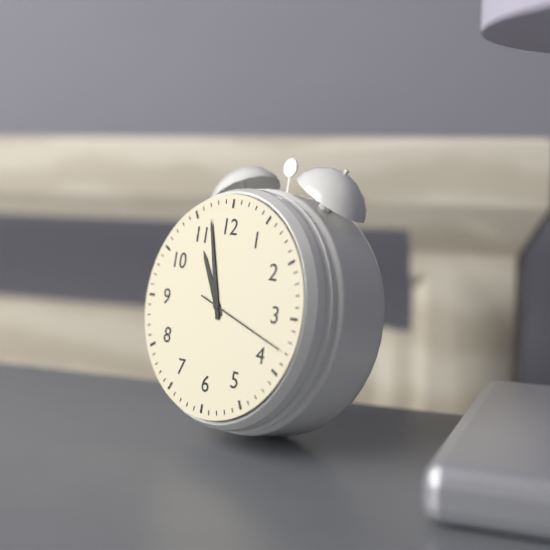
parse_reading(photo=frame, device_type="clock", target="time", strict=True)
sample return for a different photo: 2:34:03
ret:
10:57:18
